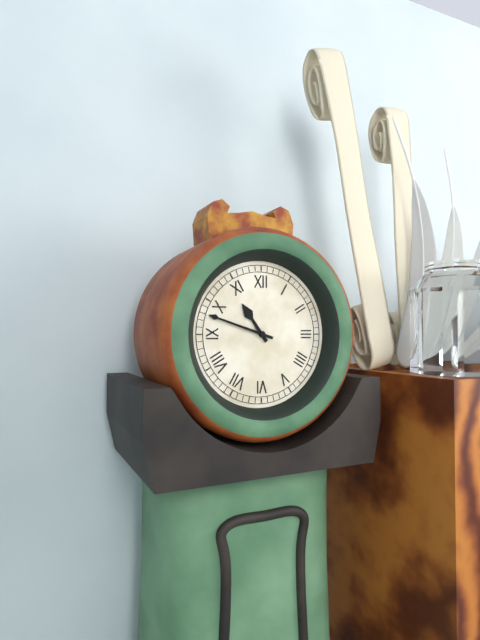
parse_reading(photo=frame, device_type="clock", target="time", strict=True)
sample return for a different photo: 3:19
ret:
10:48
